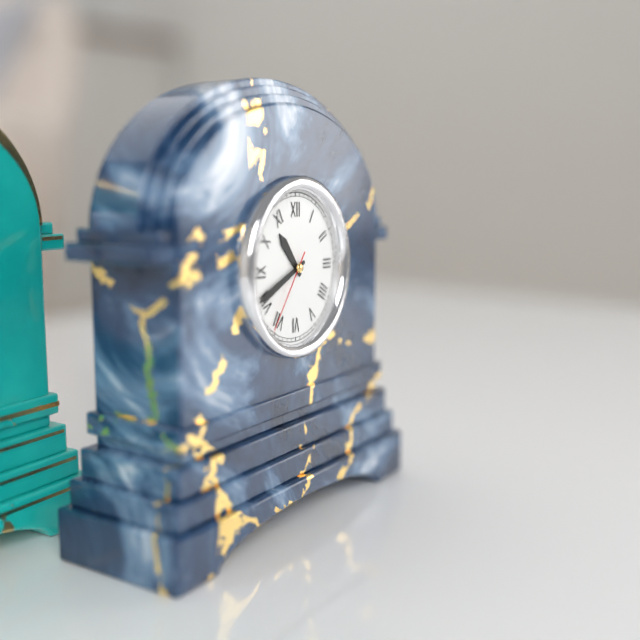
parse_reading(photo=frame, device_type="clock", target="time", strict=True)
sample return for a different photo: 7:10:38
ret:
10:41:36
